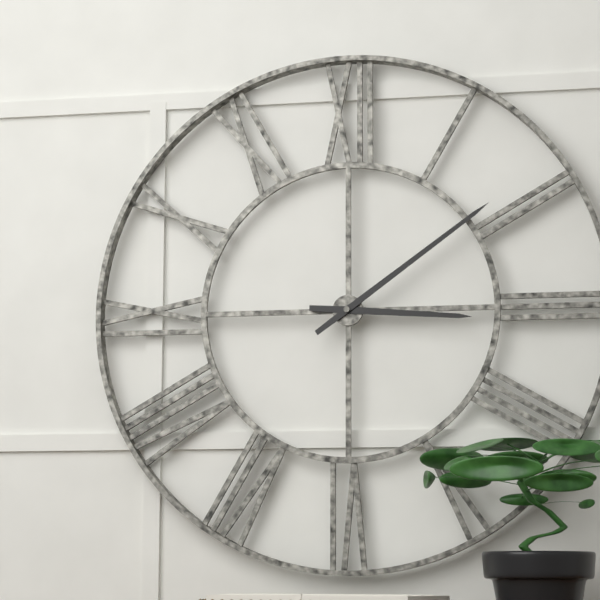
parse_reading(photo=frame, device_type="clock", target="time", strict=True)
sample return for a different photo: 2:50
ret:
3:09
